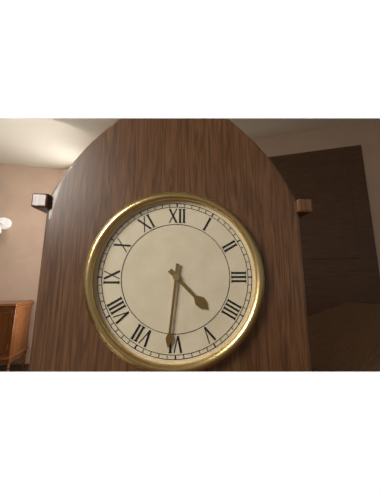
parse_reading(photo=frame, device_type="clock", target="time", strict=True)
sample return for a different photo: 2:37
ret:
4:31
